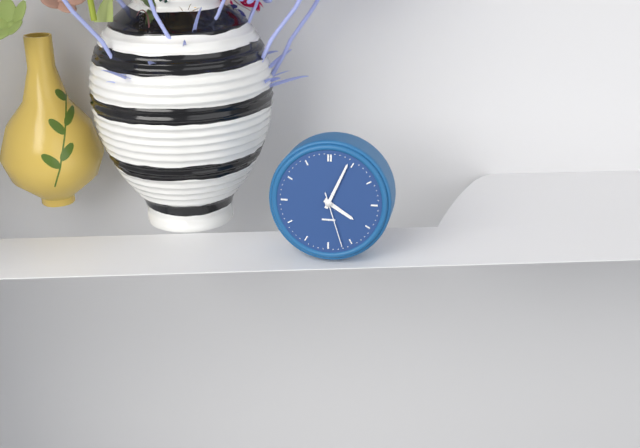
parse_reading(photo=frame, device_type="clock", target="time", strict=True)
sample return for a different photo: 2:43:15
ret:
4:04:27
